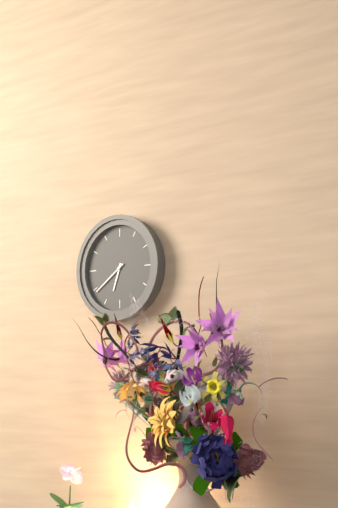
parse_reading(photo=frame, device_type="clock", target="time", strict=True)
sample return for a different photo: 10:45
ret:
6:39
